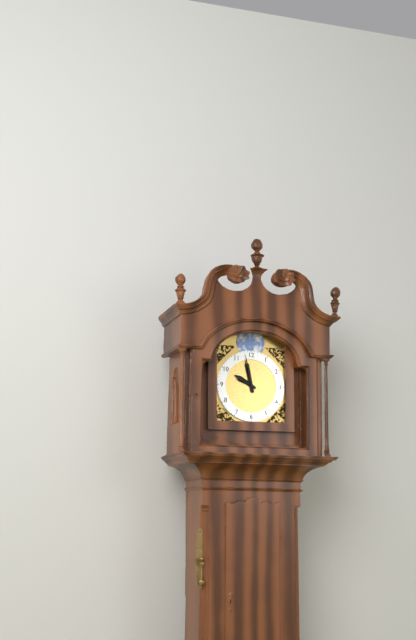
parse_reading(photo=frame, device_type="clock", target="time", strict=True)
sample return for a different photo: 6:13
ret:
9:58
